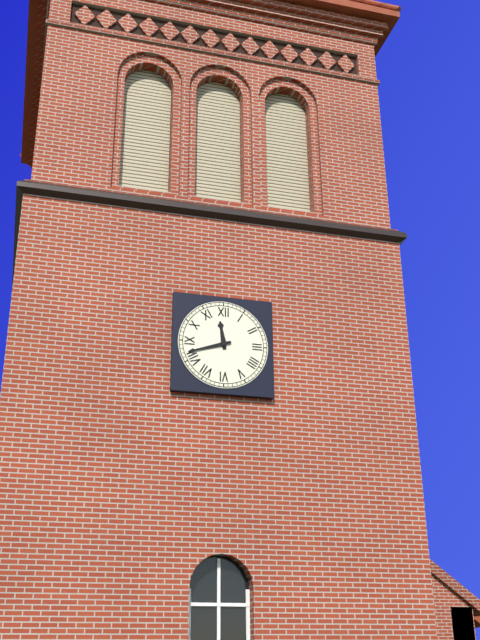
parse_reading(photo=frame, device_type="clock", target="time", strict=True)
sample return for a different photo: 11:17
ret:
11:42
